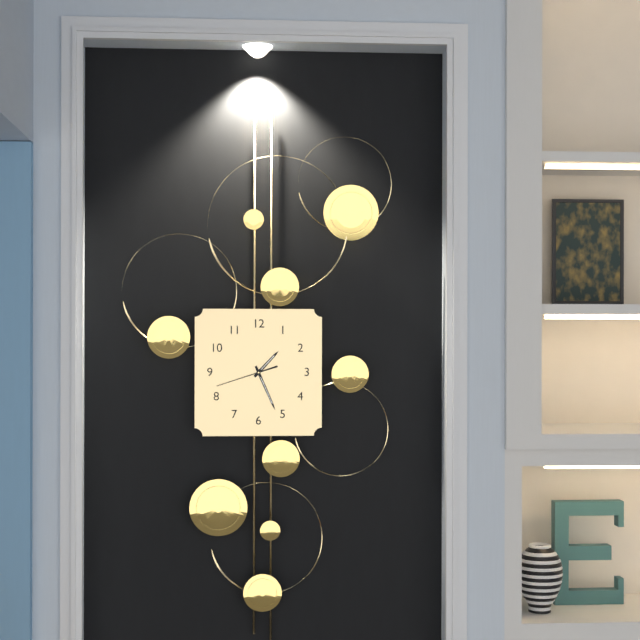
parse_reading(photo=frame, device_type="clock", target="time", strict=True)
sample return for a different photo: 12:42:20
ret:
1:26:42
